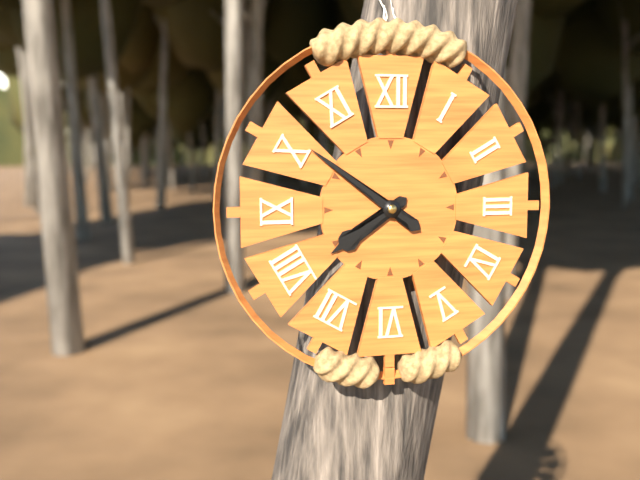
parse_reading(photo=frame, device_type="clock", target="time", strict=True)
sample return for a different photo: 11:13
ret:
7:51
